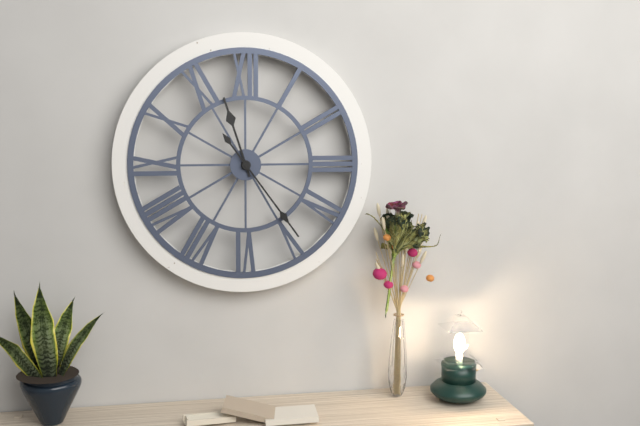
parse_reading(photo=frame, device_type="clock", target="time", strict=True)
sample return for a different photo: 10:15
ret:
11:24
